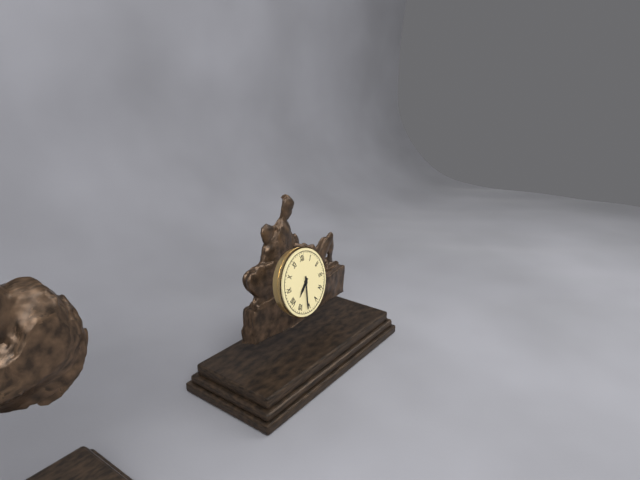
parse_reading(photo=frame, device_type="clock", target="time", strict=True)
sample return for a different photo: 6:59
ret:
7:31
